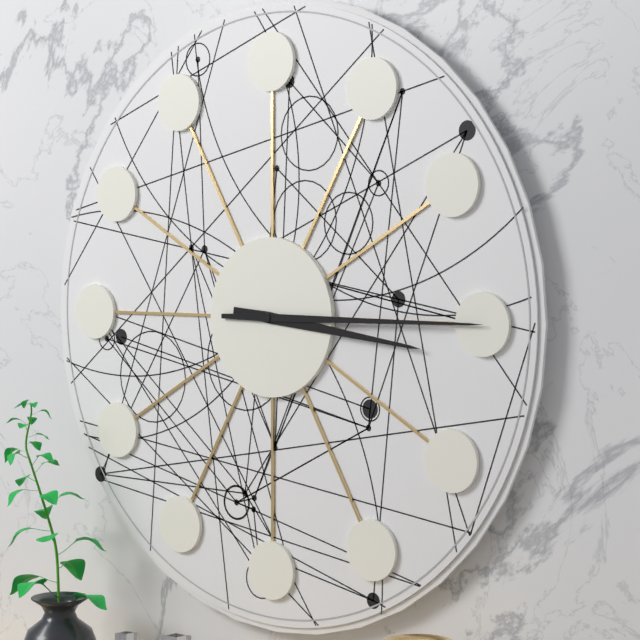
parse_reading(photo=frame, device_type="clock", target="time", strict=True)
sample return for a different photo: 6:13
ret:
3:15
